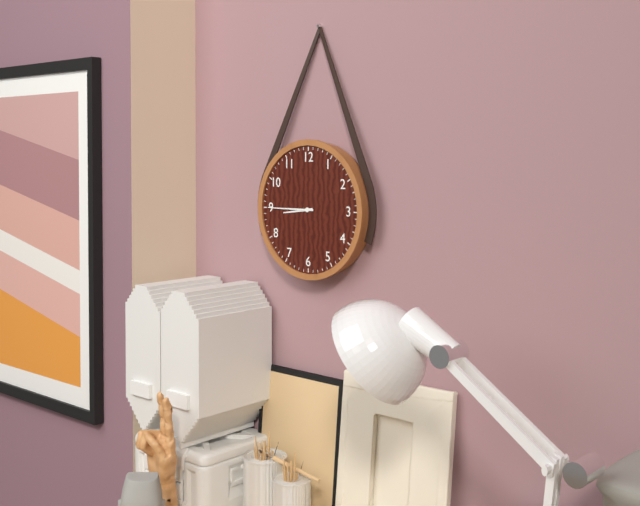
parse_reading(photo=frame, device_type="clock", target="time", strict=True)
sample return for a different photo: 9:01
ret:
8:45
